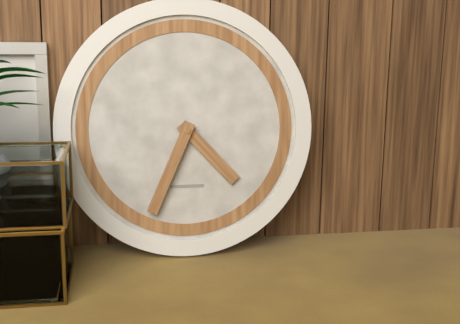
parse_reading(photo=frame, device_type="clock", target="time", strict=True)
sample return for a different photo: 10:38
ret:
4:34
